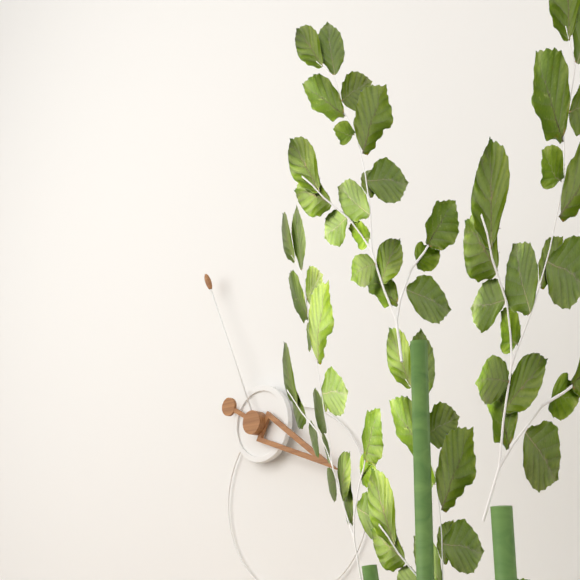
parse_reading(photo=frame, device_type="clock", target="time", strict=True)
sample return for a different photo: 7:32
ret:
3:56
